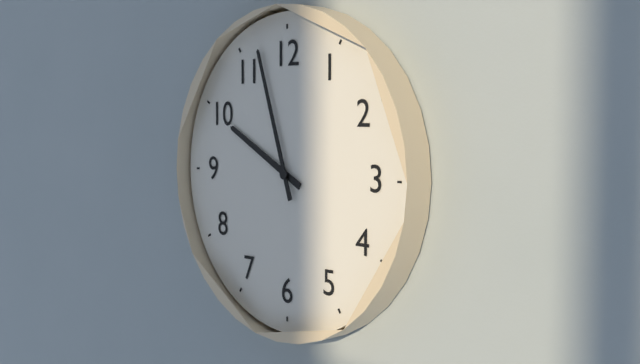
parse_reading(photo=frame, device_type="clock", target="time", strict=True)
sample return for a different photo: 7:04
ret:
9:57
